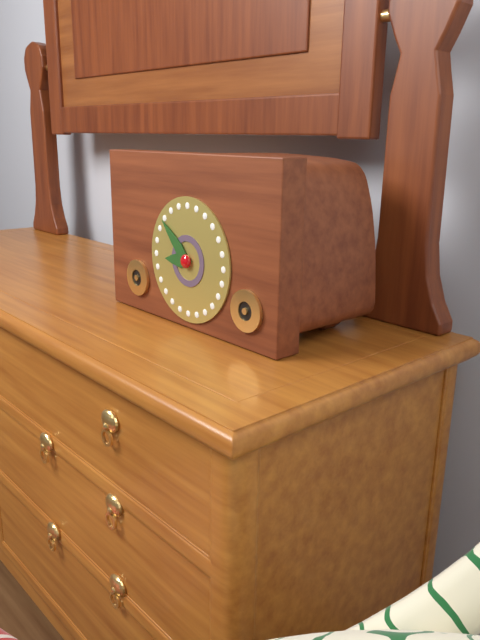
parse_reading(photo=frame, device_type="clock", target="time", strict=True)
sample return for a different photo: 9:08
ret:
8:52
